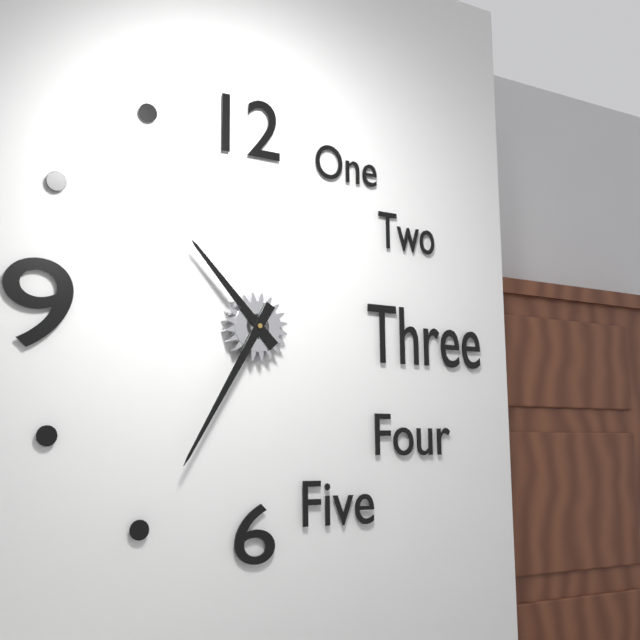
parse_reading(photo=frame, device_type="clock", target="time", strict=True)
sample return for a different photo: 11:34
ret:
10:35
